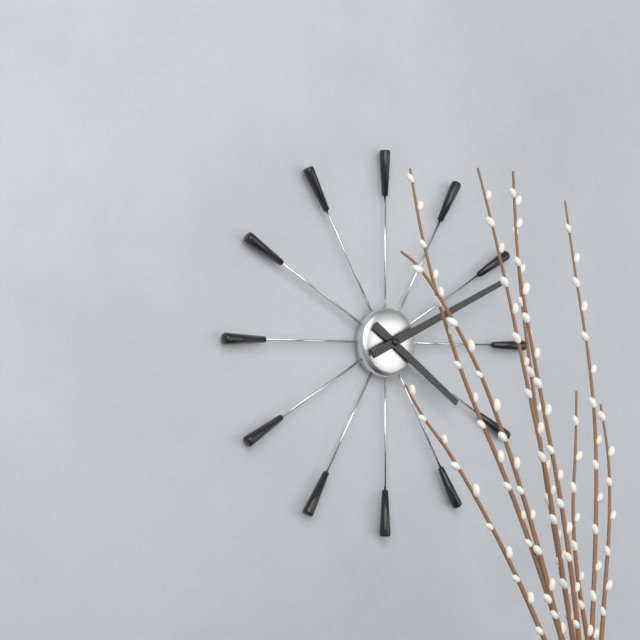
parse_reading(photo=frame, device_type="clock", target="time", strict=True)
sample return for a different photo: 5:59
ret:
4:11
